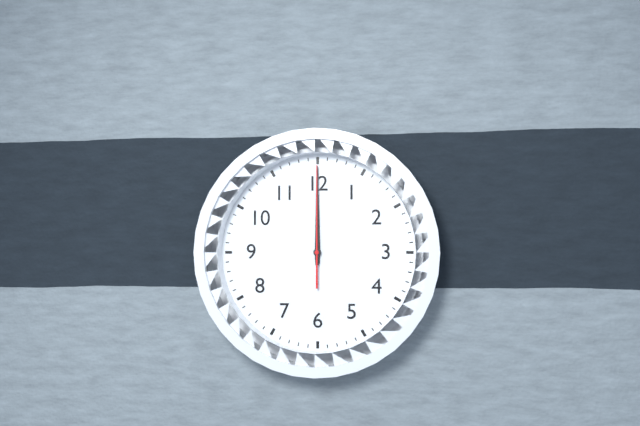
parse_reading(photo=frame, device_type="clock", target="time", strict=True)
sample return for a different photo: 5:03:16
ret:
12:00:00
